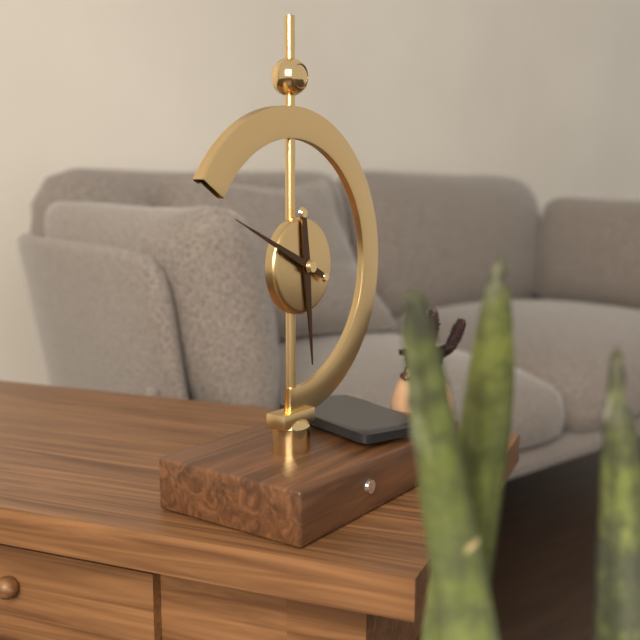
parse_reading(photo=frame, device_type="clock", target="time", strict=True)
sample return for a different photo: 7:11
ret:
5:49
